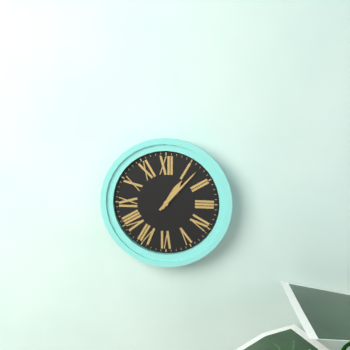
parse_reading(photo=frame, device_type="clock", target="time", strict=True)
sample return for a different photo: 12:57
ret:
1:07
